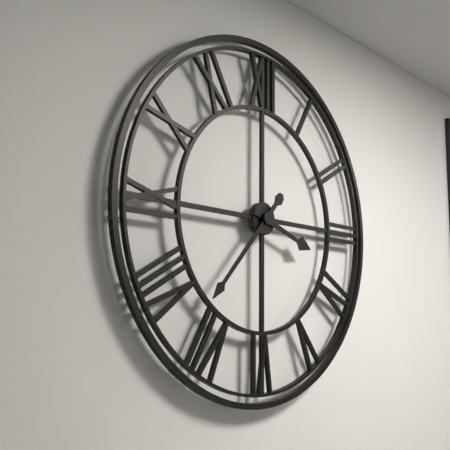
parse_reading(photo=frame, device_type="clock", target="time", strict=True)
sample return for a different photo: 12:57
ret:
3:37
